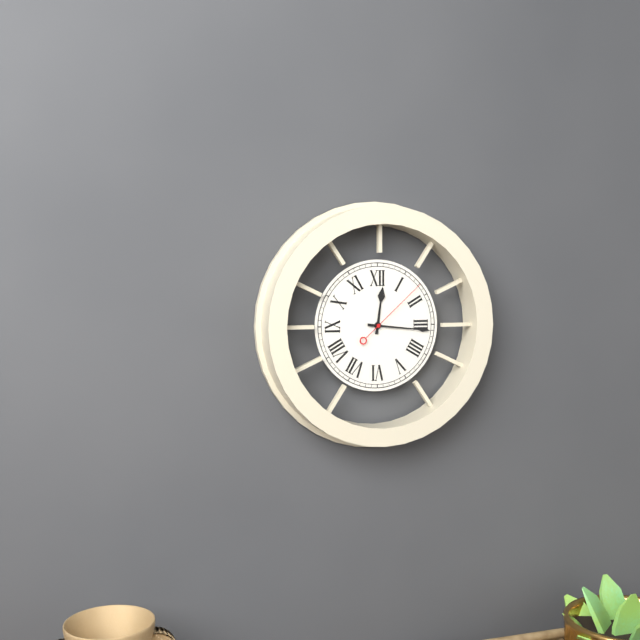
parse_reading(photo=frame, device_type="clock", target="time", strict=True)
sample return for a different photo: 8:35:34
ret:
12:16:08
